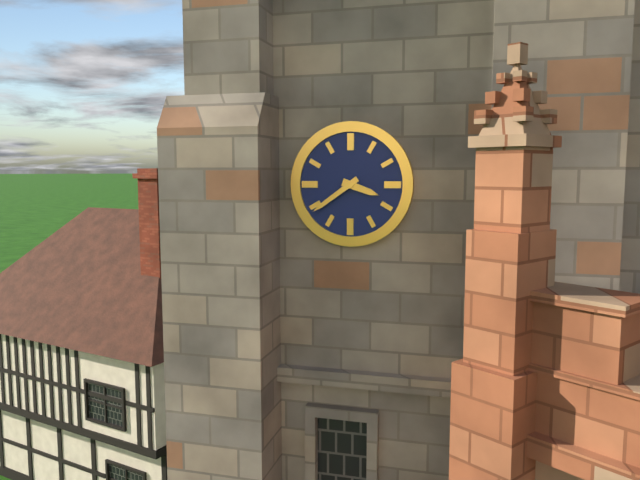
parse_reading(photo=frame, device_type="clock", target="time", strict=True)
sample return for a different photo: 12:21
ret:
3:39
